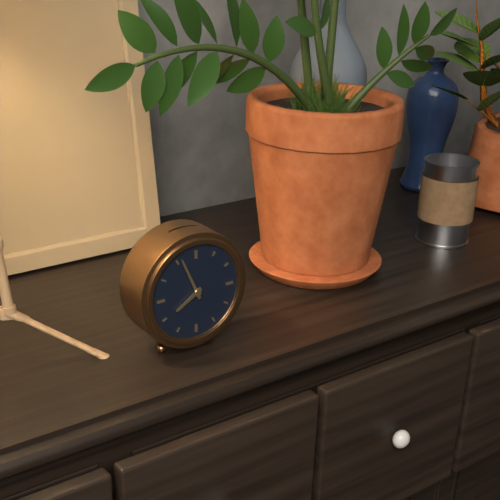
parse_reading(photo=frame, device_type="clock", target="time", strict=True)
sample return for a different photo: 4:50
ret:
7:56
